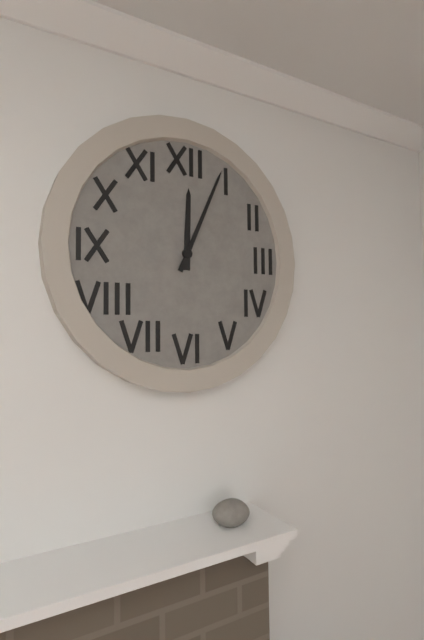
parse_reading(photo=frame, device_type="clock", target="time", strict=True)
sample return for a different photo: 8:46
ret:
12:04
